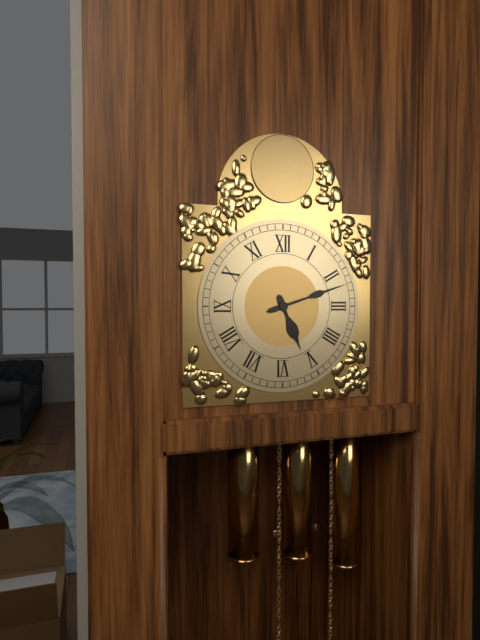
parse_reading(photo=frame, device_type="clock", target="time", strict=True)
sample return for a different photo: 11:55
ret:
5:12
